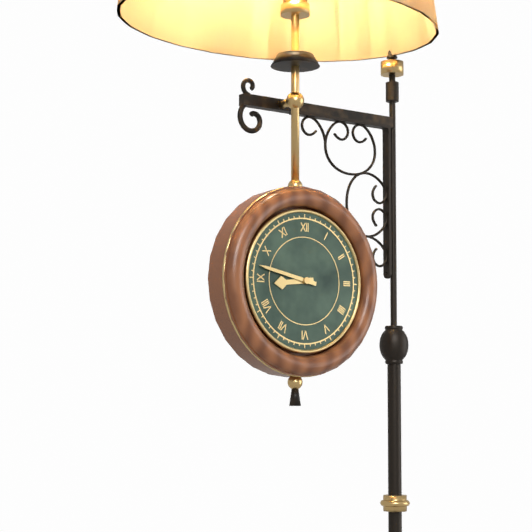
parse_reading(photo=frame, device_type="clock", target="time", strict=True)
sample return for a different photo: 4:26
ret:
8:47
